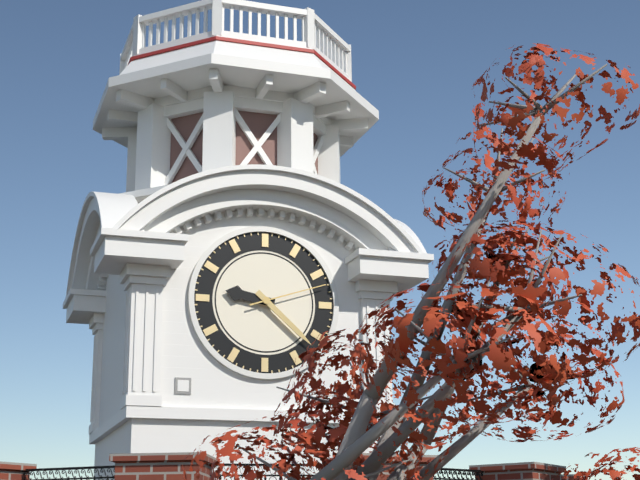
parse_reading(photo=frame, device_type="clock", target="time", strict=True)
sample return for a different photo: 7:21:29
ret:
9:22:12
